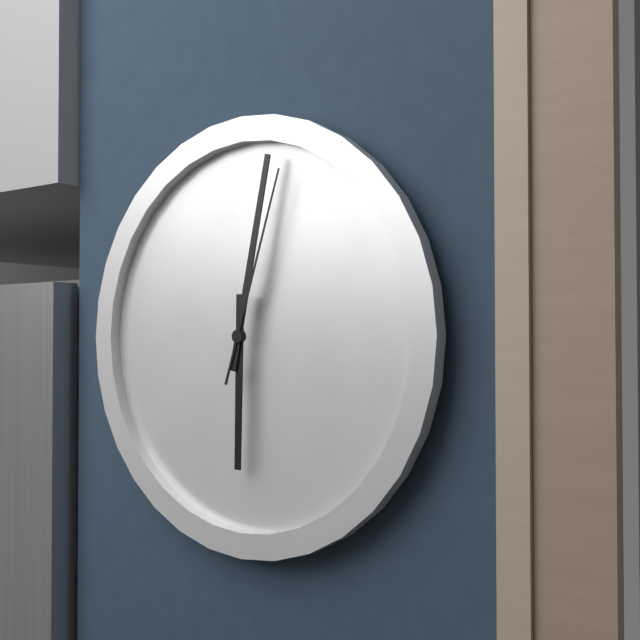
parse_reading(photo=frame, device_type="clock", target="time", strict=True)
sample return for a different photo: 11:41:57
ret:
6:02:03
